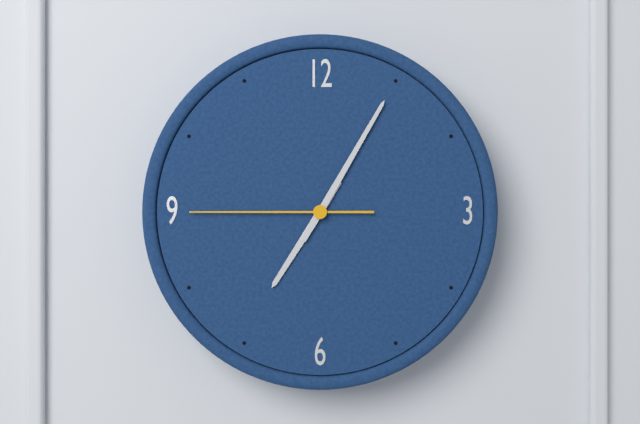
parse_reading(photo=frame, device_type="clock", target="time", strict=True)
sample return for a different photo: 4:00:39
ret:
7:05:45
